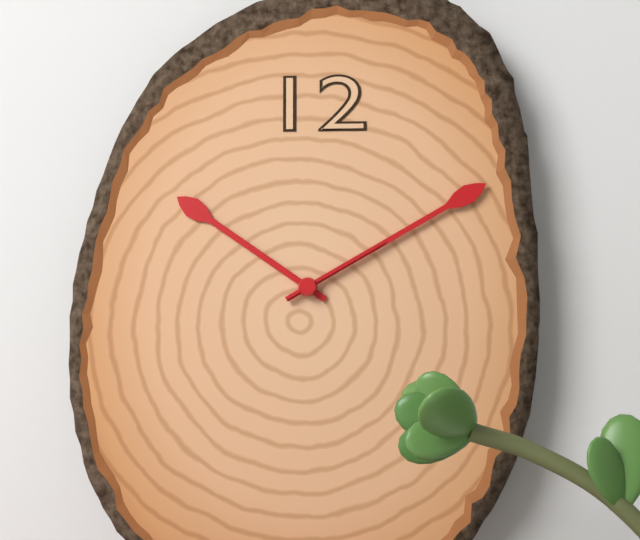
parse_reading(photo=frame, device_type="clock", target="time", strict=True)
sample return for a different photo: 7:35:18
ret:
10:10:10
